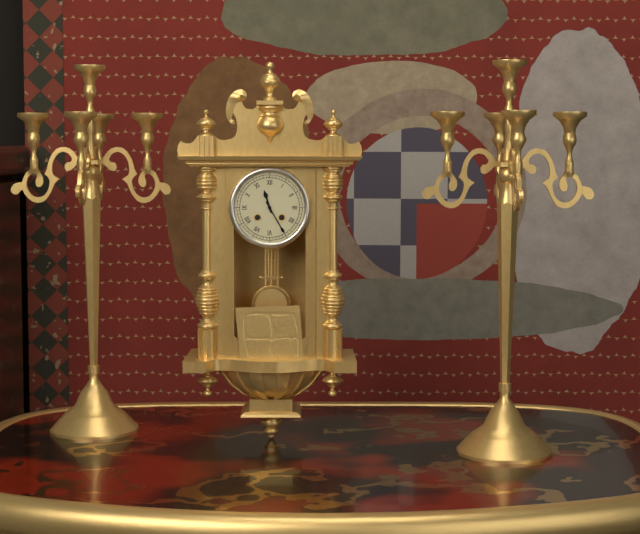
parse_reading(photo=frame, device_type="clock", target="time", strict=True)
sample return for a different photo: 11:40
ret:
11:25
